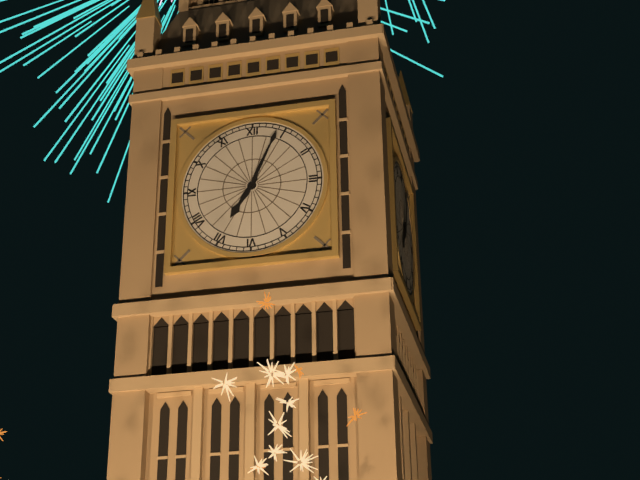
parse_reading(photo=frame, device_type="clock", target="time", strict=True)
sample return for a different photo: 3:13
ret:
7:04
